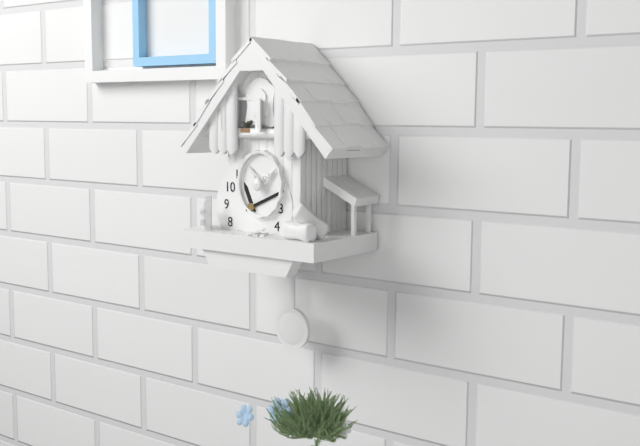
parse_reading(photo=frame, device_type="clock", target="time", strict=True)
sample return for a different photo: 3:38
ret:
11:11
